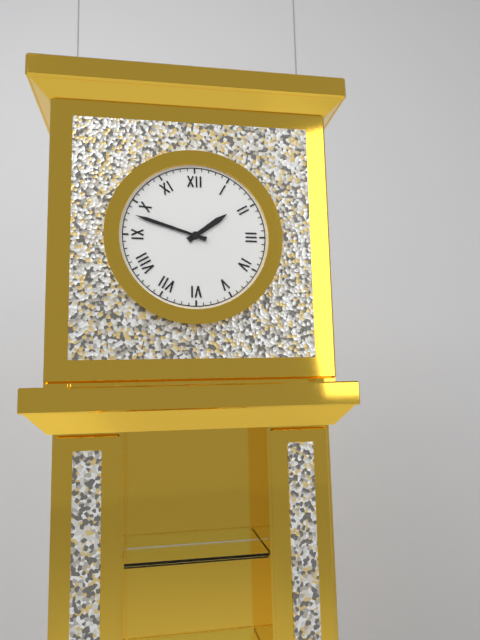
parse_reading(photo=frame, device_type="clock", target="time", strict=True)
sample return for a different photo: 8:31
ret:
1:48
